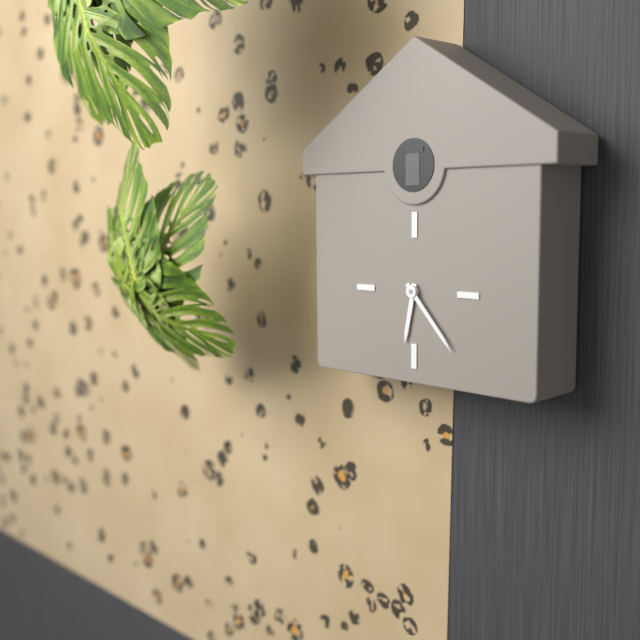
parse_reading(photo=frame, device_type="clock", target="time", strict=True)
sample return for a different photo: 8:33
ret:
6:23
